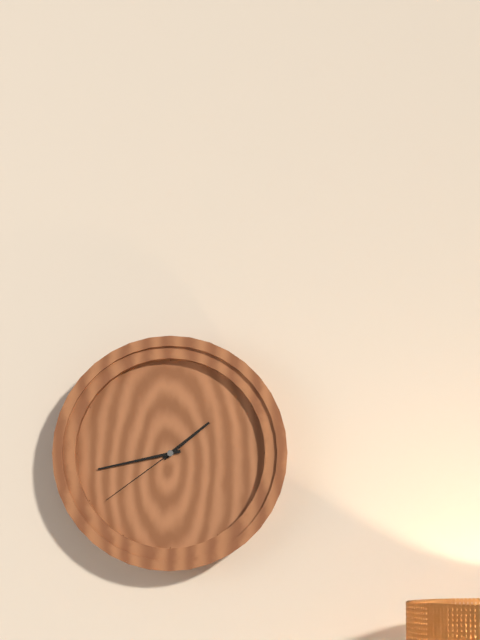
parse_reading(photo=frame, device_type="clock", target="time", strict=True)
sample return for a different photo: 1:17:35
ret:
1:43:39
